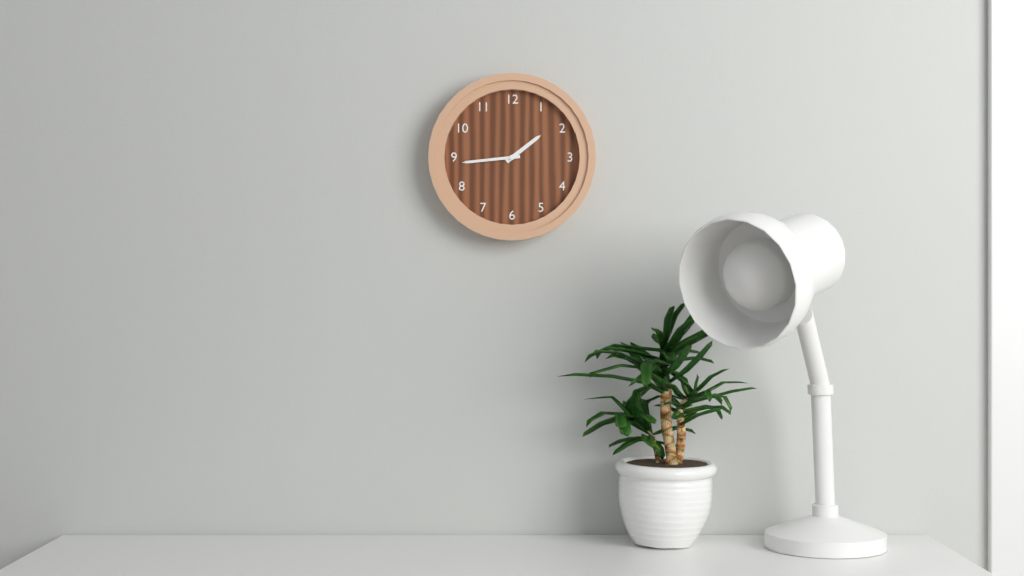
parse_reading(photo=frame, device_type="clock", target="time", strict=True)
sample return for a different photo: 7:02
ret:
1:44
